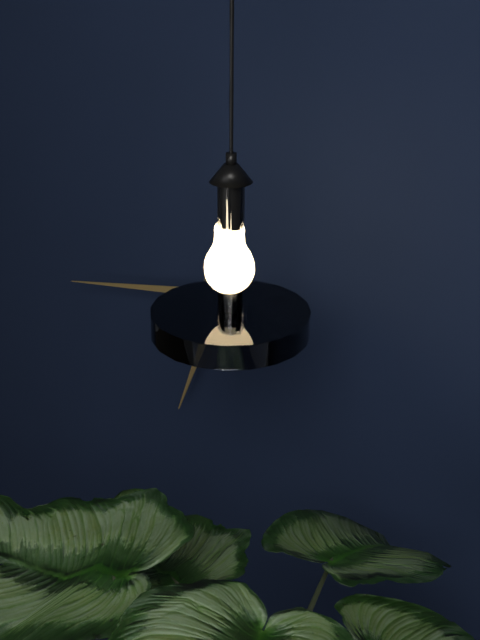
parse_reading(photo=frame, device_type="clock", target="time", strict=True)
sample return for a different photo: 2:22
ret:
6:43
